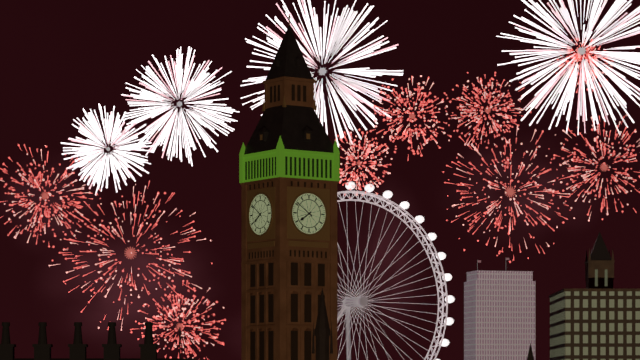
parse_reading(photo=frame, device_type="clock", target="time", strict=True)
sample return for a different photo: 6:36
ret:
7:51
